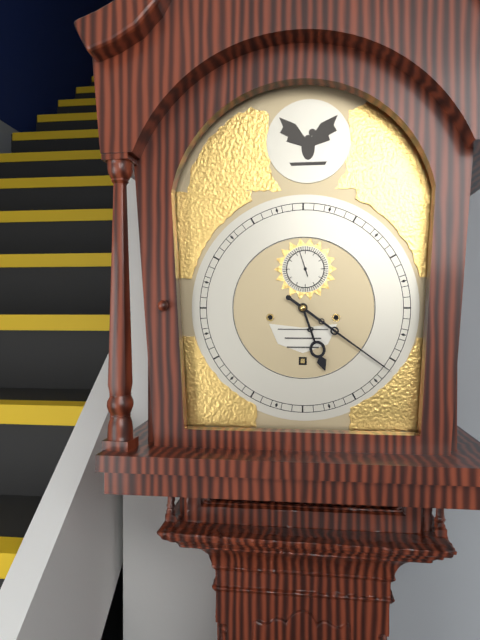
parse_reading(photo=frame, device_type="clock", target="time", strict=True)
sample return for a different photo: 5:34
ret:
5:21
